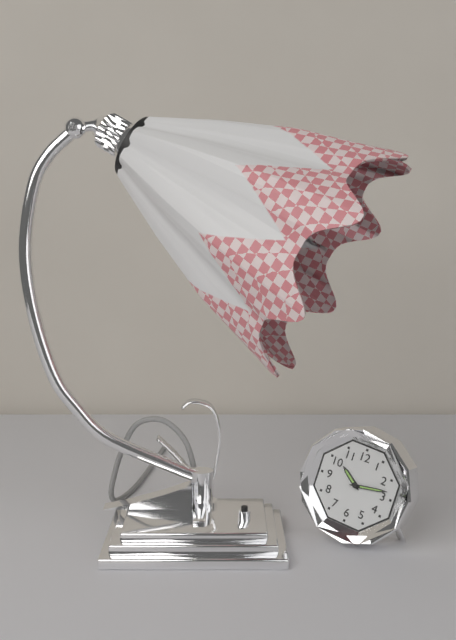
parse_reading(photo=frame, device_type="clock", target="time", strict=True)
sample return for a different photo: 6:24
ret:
10:13
